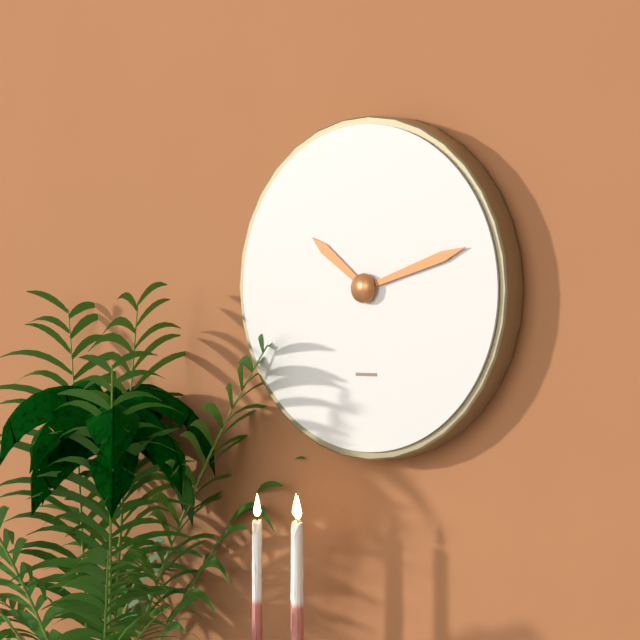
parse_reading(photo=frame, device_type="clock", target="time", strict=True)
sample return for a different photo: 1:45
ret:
10:12
